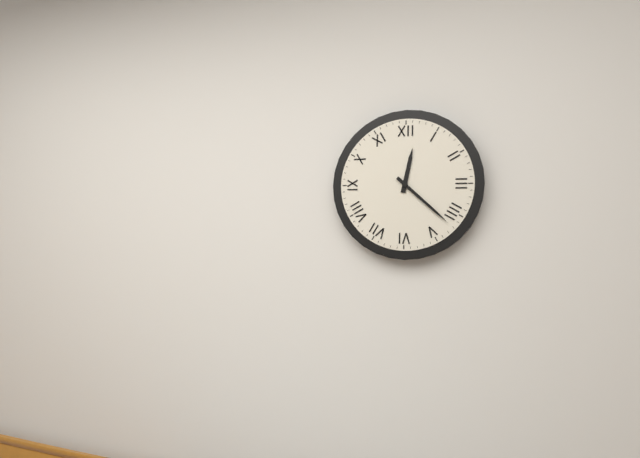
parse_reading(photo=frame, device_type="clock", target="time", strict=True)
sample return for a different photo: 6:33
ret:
12:22
